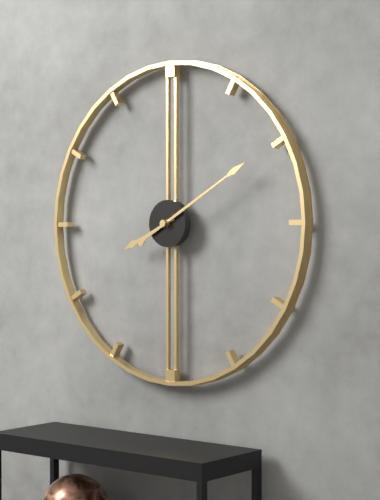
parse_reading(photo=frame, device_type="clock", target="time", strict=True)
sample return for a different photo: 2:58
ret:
8:10
